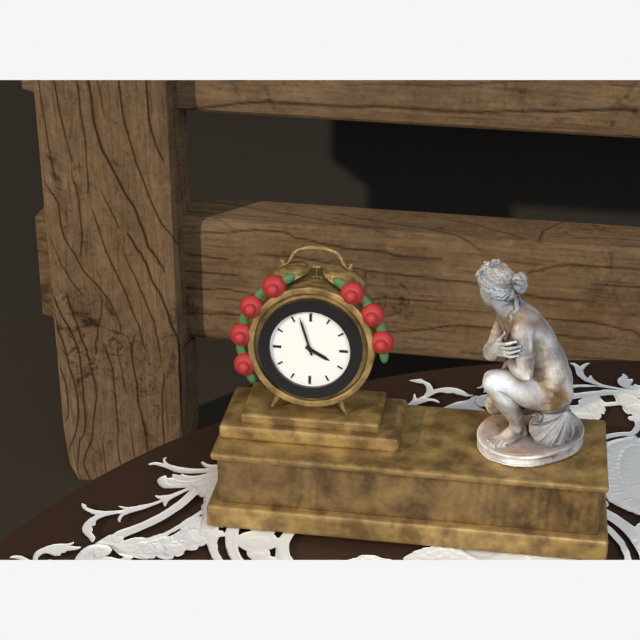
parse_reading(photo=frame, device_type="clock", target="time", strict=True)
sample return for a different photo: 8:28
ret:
3:57
